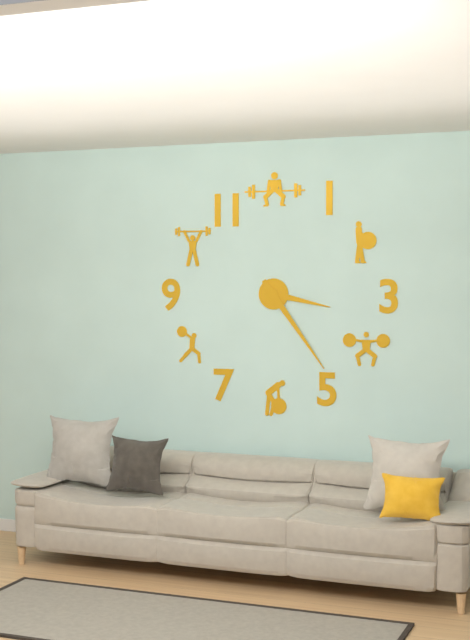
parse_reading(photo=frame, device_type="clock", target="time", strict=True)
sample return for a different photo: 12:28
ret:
3:24
